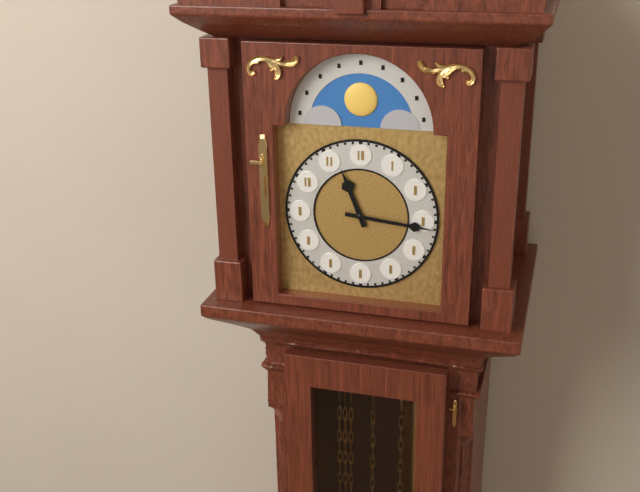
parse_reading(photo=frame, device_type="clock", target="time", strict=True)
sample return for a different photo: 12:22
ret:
11:16
